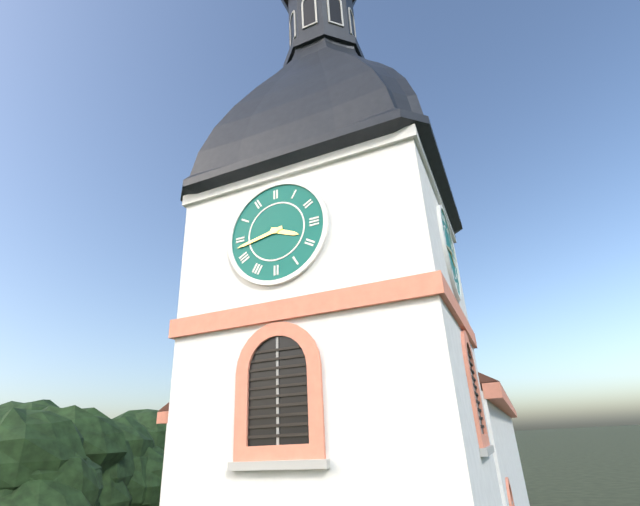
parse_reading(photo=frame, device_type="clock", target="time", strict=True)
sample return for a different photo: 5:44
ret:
3:43
